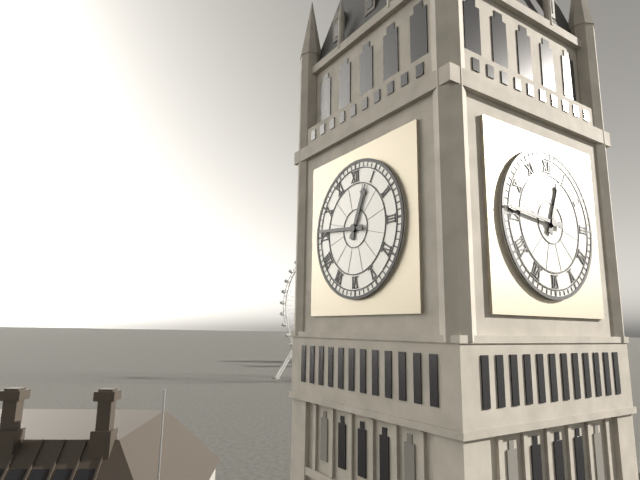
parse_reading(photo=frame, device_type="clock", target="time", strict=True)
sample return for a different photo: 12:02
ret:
12:46
